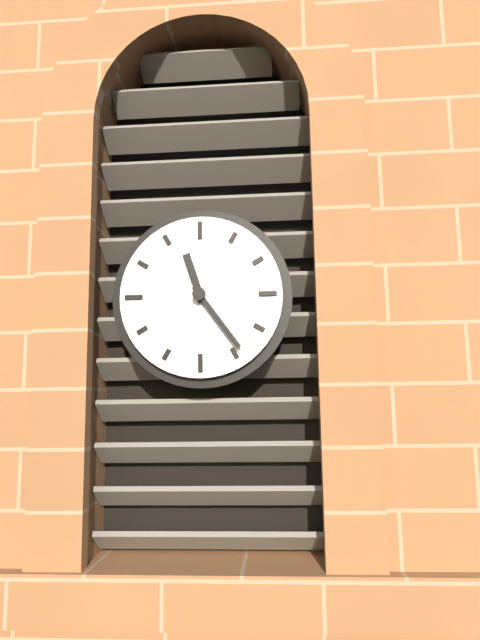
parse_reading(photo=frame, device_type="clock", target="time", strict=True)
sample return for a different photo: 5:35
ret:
11:24
